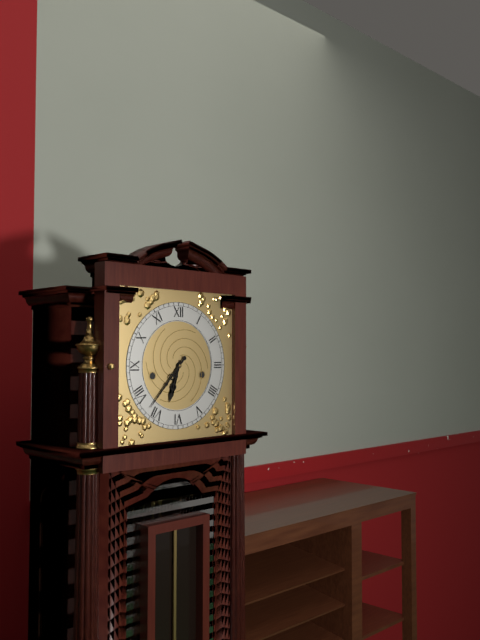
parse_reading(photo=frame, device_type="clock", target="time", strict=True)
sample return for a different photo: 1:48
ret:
6:37
